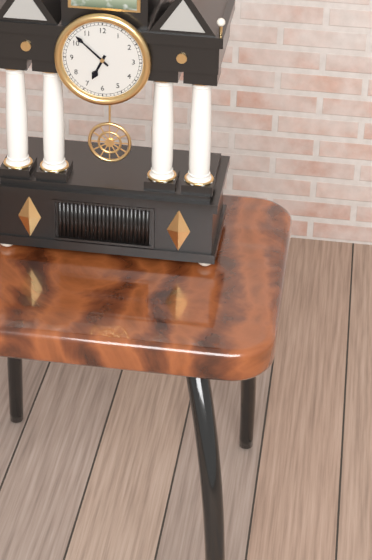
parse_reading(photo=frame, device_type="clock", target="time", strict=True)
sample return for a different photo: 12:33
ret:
6:52
